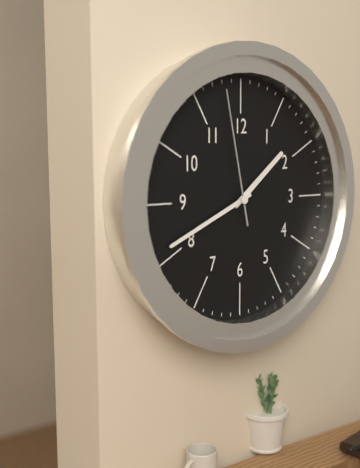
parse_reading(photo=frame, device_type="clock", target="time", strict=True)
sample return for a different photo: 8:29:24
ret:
1:41:58
